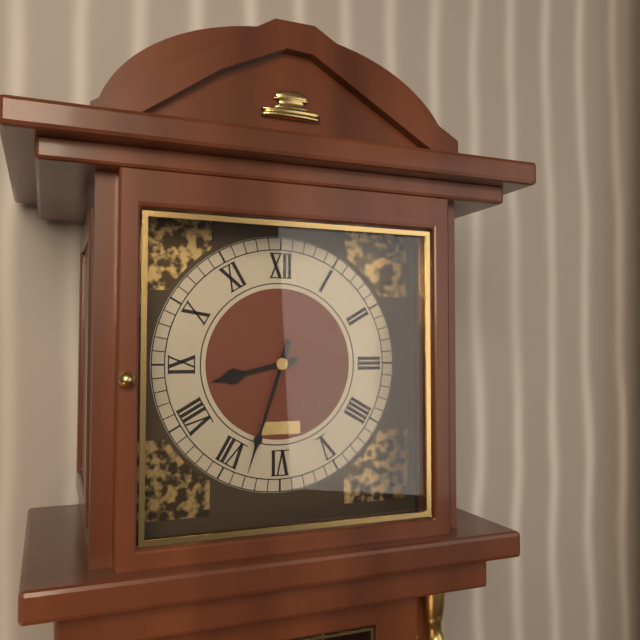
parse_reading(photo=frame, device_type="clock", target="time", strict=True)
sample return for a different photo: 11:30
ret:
8:33
